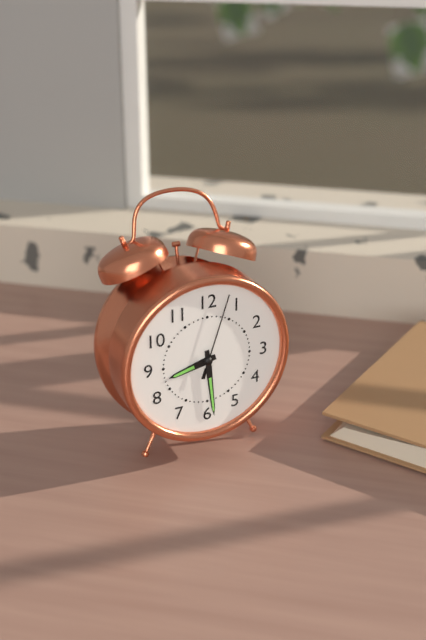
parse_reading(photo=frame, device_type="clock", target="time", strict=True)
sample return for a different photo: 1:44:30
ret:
8:29:03
